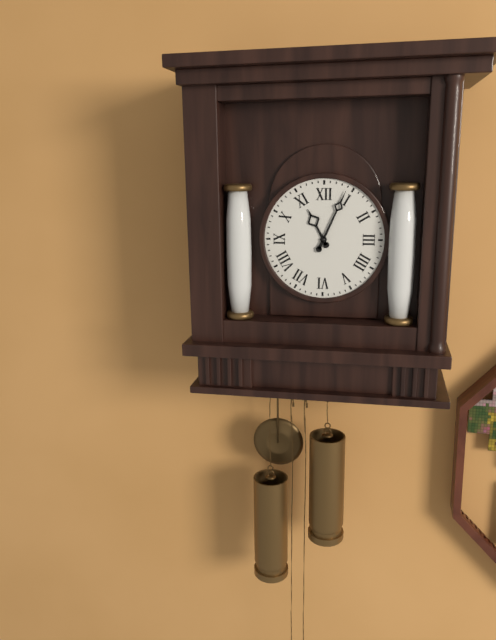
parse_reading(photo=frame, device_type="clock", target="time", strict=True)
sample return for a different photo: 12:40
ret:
11:04
